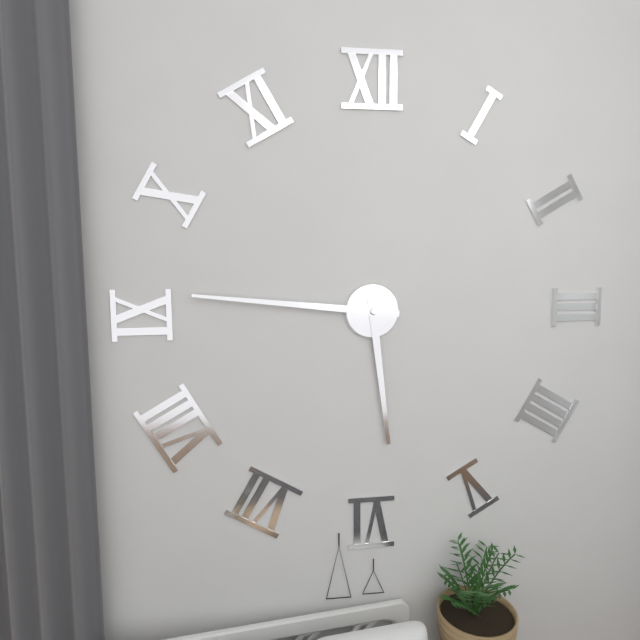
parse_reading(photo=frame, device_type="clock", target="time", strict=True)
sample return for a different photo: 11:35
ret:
5:46
